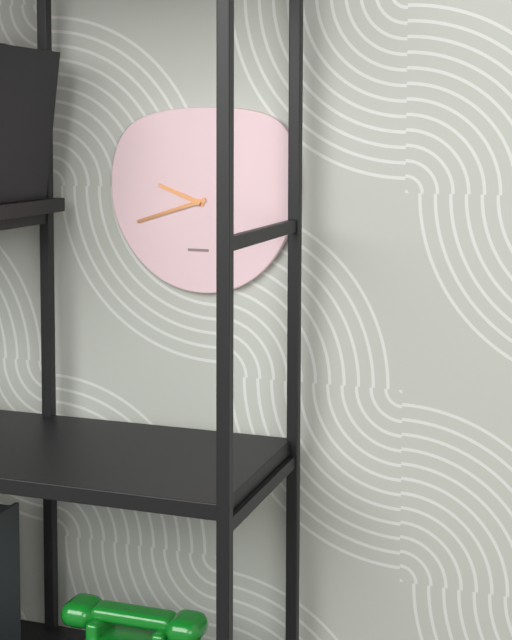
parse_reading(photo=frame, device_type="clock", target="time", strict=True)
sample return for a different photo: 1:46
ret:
9:42
